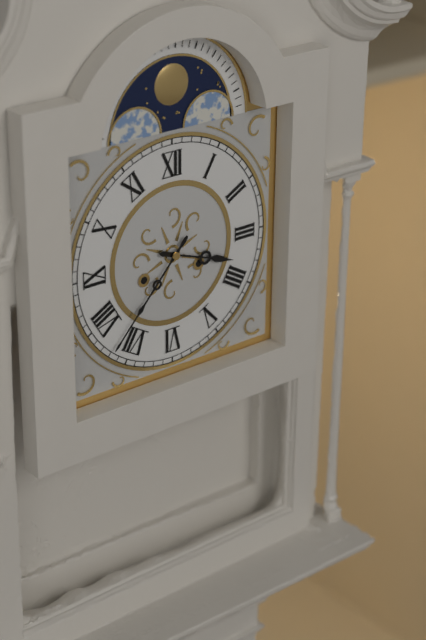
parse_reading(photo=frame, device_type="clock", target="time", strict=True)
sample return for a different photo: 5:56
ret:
3:37
